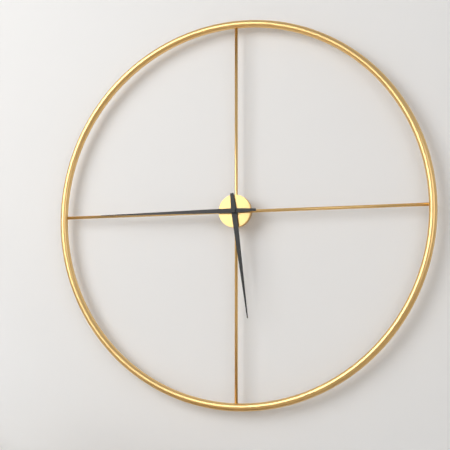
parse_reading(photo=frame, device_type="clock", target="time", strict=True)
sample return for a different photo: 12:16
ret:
5:45
